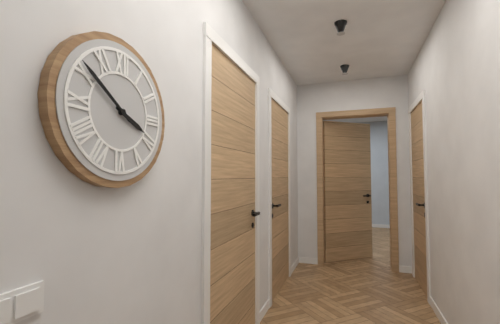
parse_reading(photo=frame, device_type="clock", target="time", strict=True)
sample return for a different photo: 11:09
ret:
3:51
